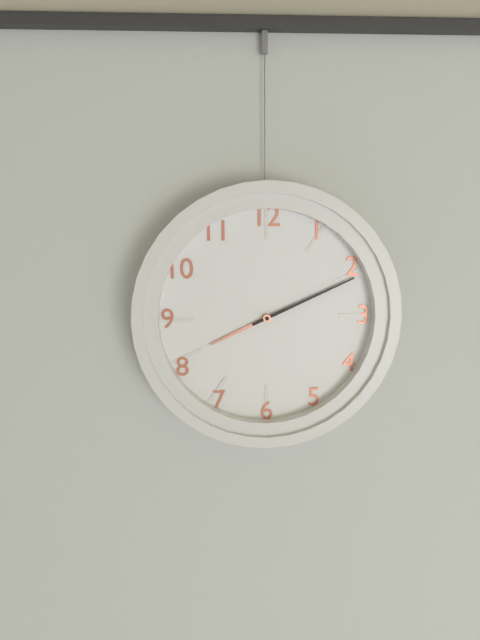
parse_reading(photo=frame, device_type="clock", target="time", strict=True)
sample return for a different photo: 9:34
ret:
8:11
